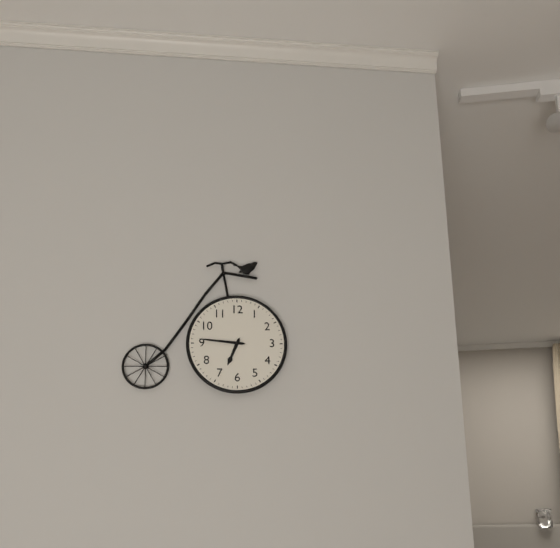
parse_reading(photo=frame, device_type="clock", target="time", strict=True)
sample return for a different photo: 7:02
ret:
6:46
